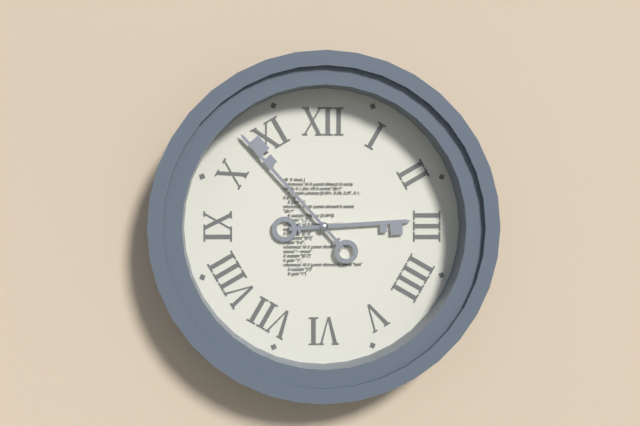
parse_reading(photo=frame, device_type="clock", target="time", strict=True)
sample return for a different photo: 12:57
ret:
2:53
